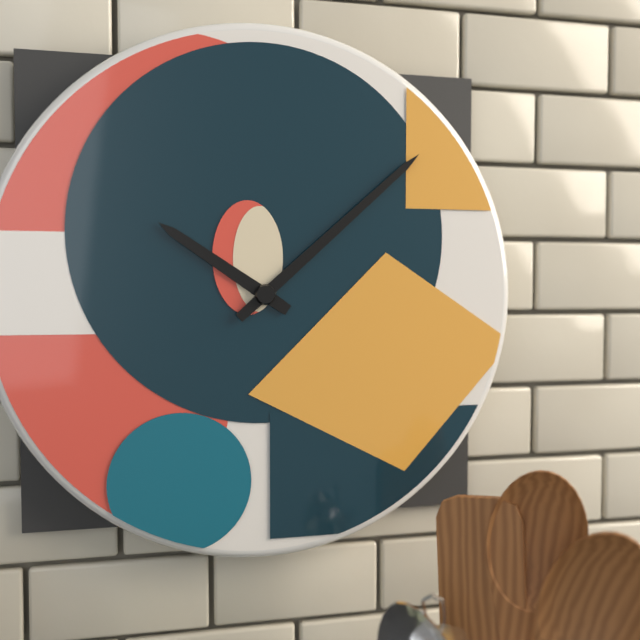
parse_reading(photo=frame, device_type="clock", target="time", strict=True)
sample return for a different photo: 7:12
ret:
10:08
